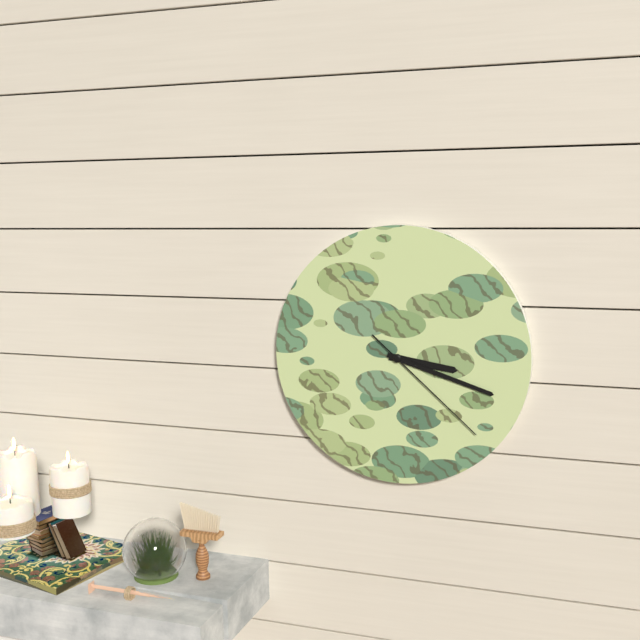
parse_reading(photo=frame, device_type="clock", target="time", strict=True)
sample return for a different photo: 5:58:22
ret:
3:18:22
